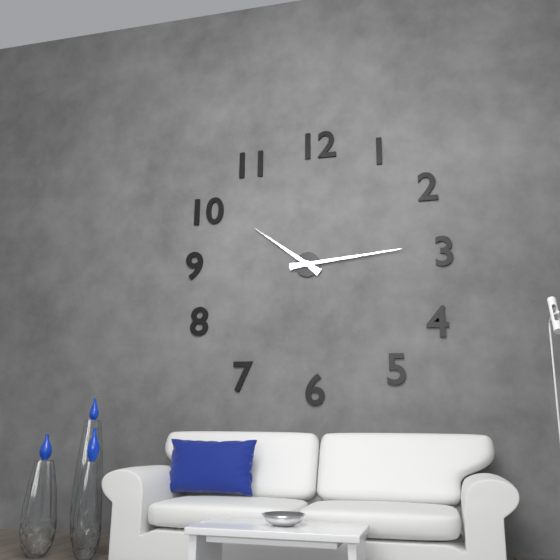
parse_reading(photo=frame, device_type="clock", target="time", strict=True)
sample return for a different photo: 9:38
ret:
10:14
